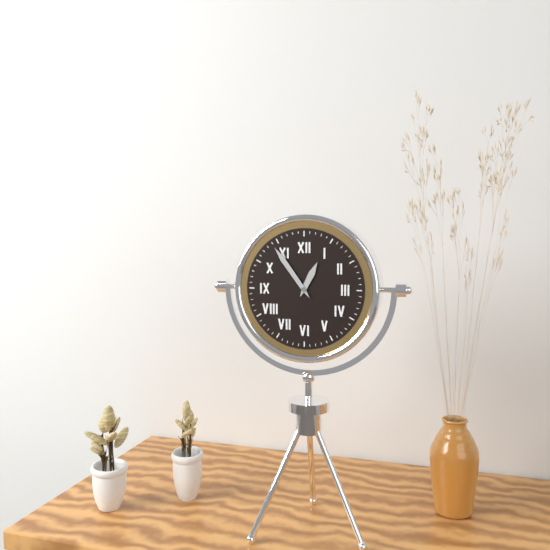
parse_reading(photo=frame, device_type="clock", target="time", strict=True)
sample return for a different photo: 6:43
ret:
12:54
